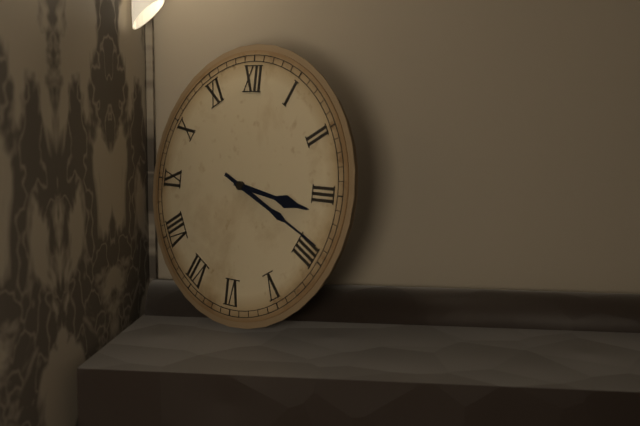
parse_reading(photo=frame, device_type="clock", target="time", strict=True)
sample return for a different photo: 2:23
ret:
3:19
